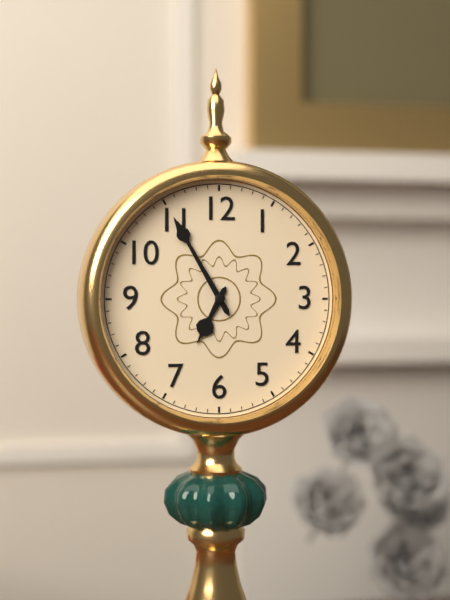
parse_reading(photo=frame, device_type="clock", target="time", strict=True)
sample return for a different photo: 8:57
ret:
6:55
